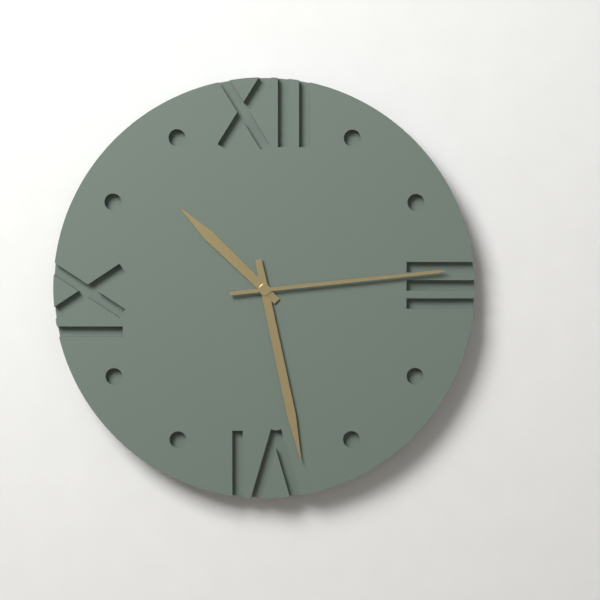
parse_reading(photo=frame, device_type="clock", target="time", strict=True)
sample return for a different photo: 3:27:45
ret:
10:28:14
